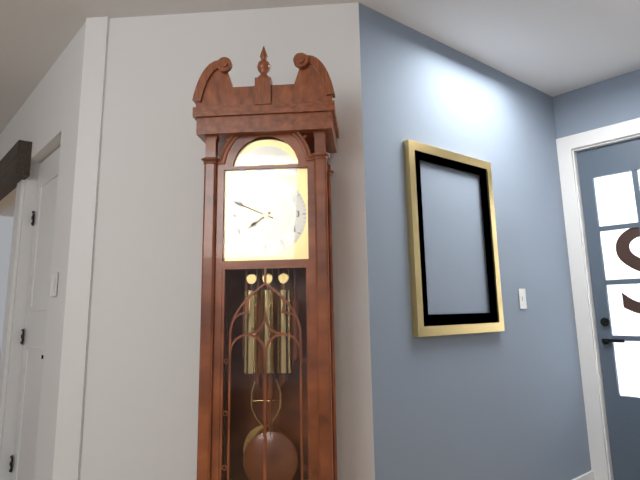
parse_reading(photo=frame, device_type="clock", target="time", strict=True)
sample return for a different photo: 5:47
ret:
7:49
